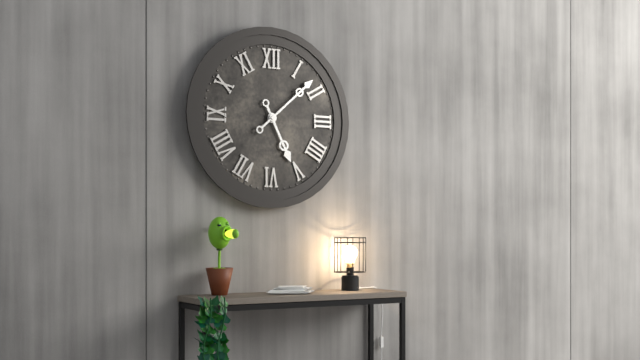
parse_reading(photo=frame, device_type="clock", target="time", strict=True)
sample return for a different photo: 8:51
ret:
5:08
